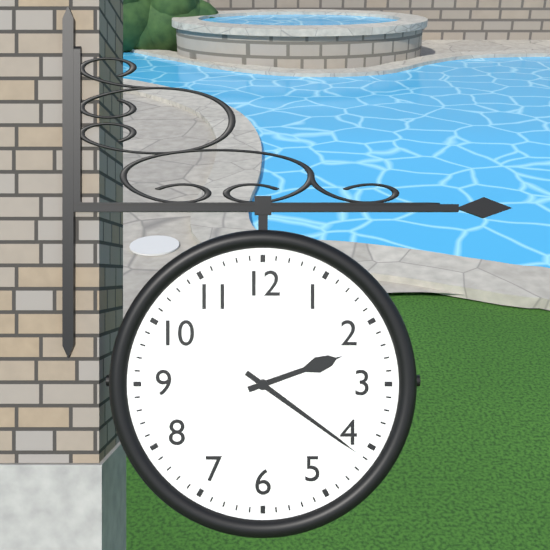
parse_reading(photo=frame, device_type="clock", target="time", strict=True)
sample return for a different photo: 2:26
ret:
2:21
